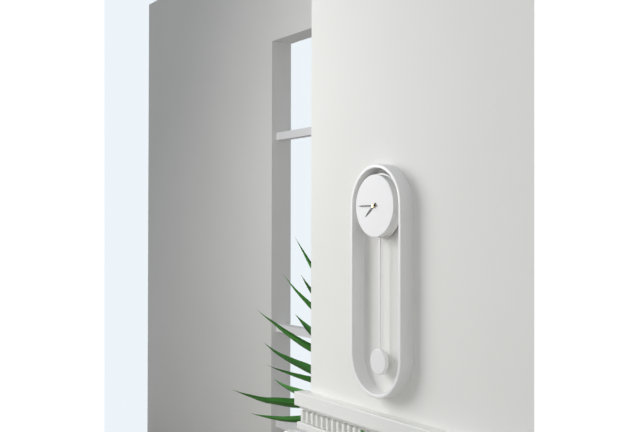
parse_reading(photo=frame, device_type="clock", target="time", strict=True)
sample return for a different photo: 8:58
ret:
7:45
